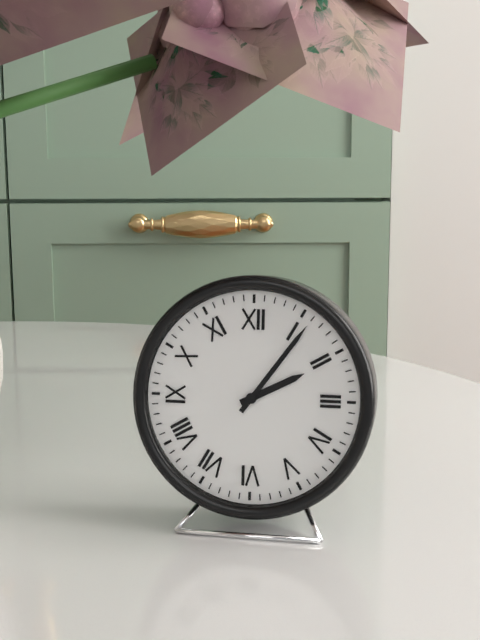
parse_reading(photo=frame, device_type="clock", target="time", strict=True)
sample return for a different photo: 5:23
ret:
2:06
